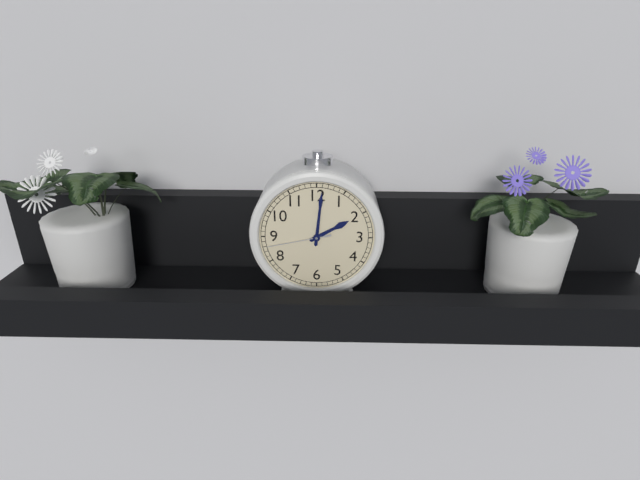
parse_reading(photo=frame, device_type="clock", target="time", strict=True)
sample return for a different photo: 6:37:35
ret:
2:01:43
